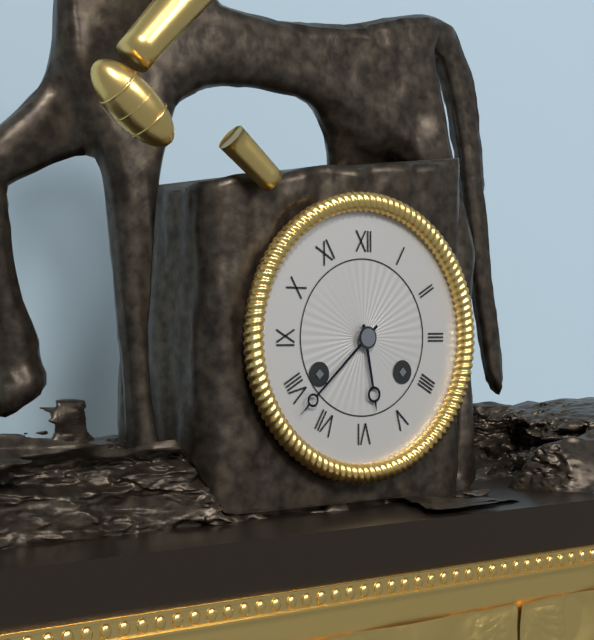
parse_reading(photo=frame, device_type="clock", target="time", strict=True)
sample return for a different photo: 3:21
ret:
5:38
